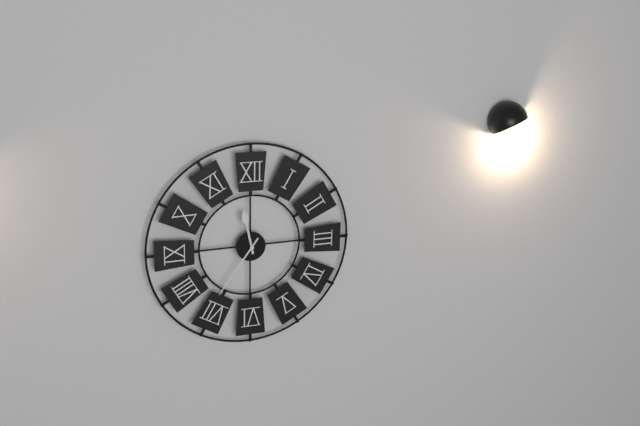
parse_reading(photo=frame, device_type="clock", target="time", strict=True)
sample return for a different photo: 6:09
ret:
11:36
